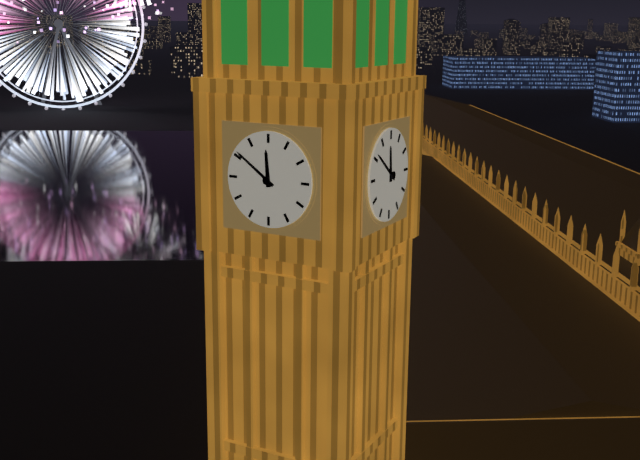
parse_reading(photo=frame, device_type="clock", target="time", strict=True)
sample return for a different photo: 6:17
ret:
11:51
